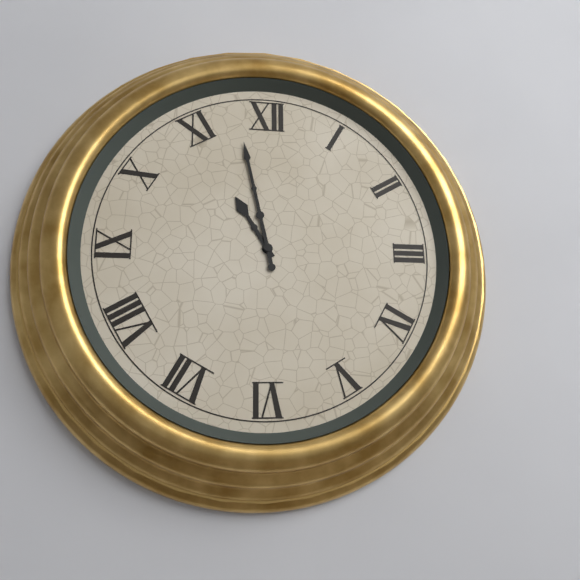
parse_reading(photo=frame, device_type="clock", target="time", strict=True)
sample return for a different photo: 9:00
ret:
10:58
